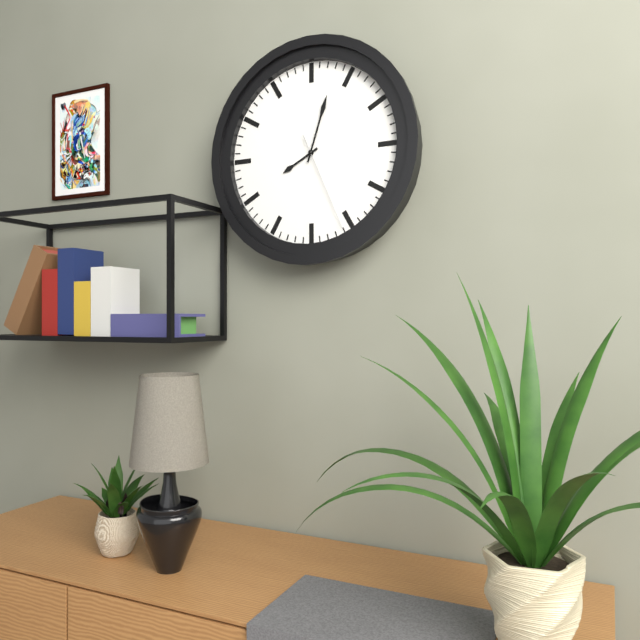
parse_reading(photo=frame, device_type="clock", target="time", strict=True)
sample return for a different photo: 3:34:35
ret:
8:03:26
